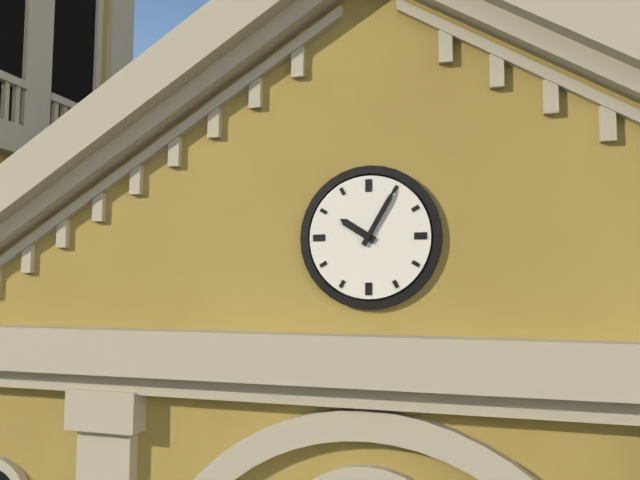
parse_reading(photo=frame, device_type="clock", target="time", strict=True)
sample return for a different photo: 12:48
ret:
10:05
